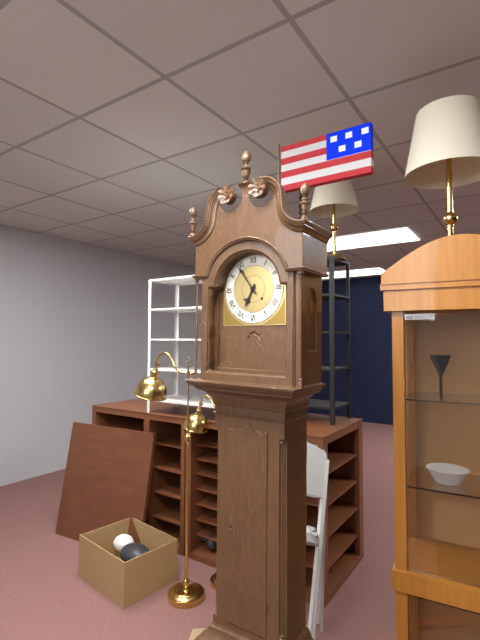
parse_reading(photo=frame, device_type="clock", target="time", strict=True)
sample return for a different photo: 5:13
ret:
6:54
